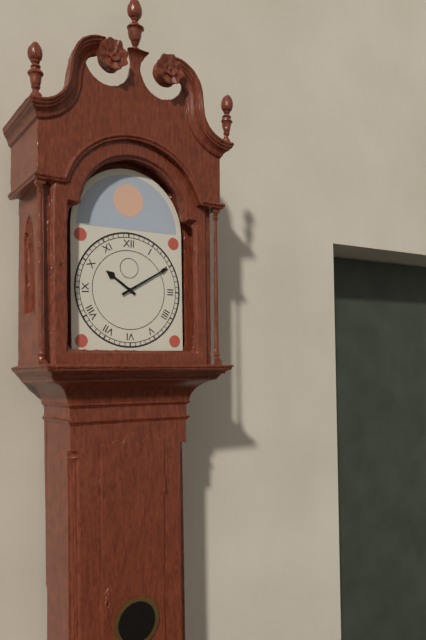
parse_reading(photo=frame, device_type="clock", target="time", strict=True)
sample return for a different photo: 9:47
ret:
10:10
